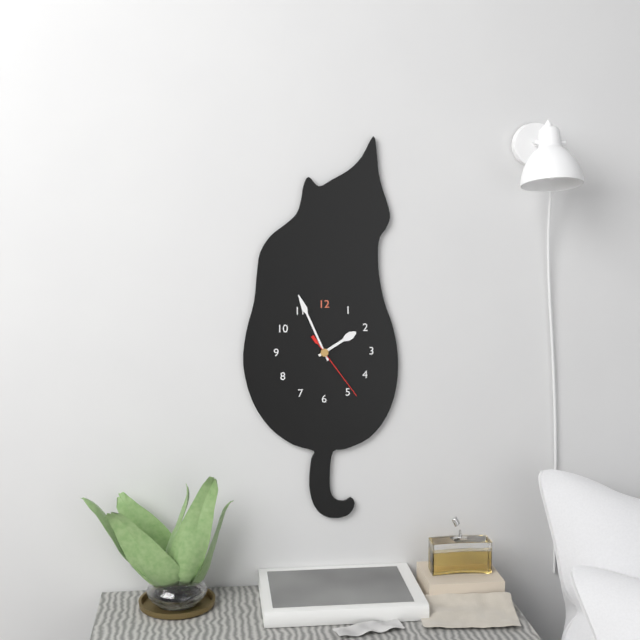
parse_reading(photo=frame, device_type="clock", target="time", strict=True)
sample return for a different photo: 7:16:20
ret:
1:56:24
